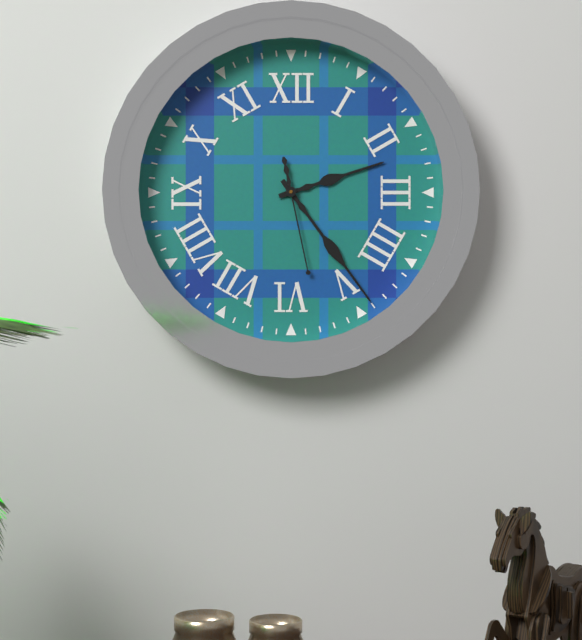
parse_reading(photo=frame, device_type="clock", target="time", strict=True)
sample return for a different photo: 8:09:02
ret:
2:24:28
